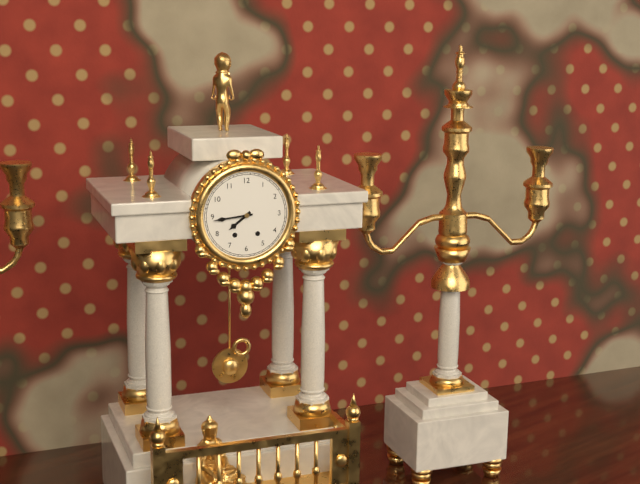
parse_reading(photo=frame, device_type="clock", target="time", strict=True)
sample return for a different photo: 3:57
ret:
7:44
